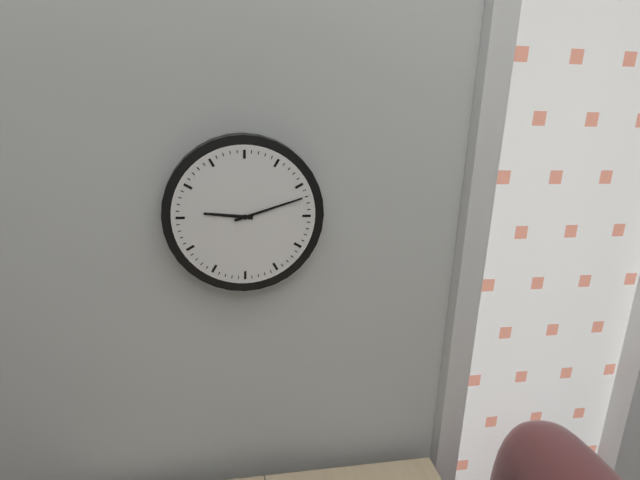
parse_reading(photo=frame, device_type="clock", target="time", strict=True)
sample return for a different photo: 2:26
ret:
9:12
